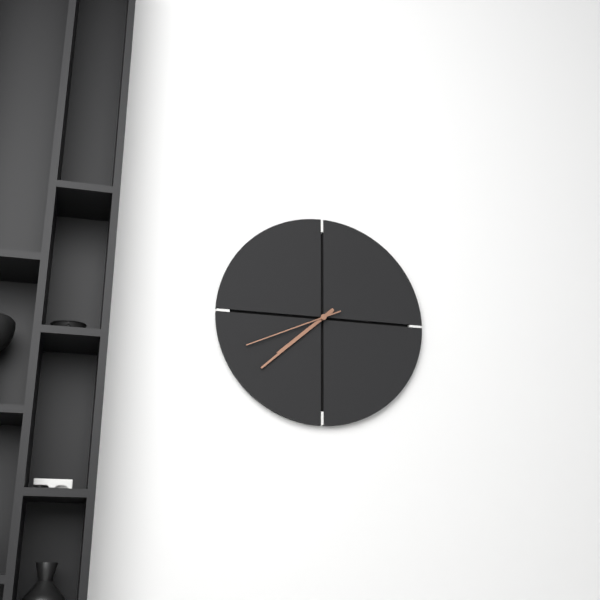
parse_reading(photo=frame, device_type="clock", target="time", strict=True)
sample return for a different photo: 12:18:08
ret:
7:38:41
